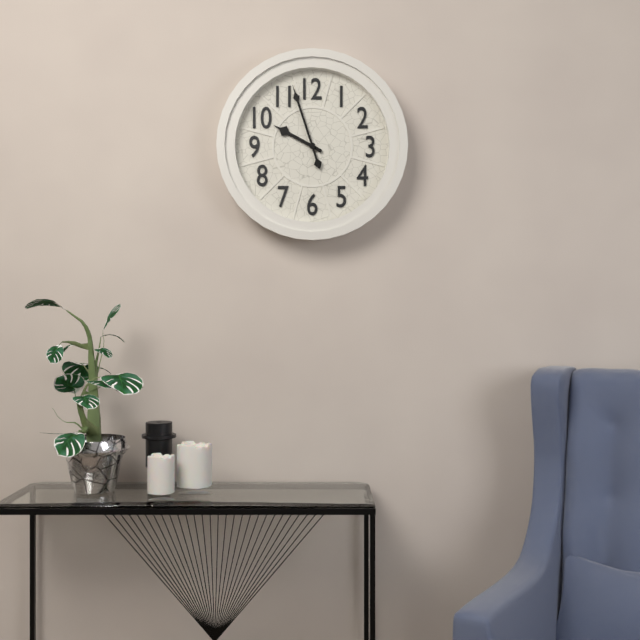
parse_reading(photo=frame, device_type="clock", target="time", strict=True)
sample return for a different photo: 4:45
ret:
9:57
